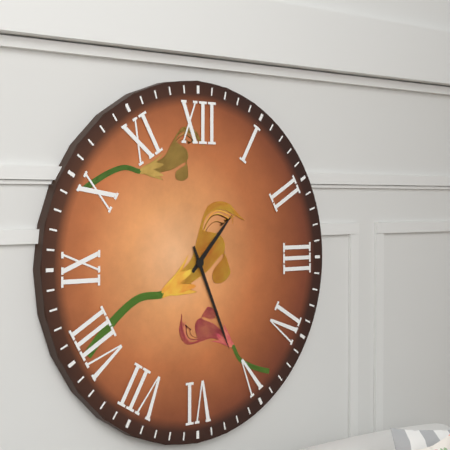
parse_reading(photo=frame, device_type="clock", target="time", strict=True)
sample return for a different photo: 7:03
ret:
1:26
